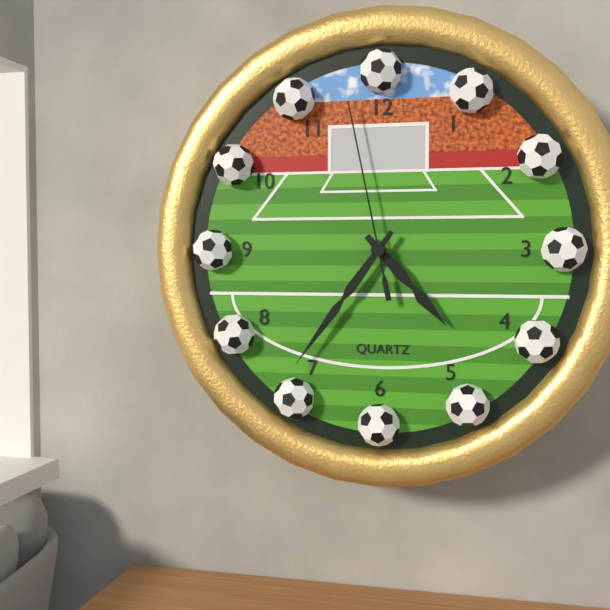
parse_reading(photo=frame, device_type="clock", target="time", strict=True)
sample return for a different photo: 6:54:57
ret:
4:36:58
